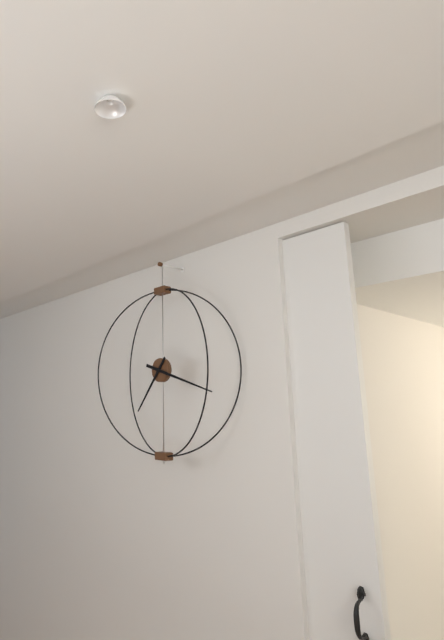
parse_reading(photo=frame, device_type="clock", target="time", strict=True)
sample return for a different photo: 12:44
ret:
7:18
